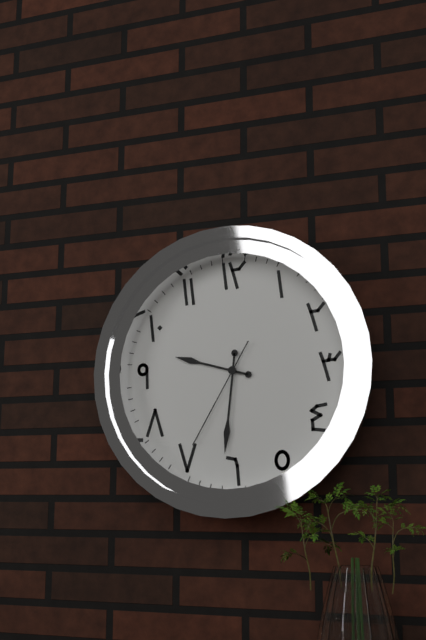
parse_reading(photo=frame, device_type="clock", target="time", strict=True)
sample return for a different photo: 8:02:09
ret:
9:31:35
